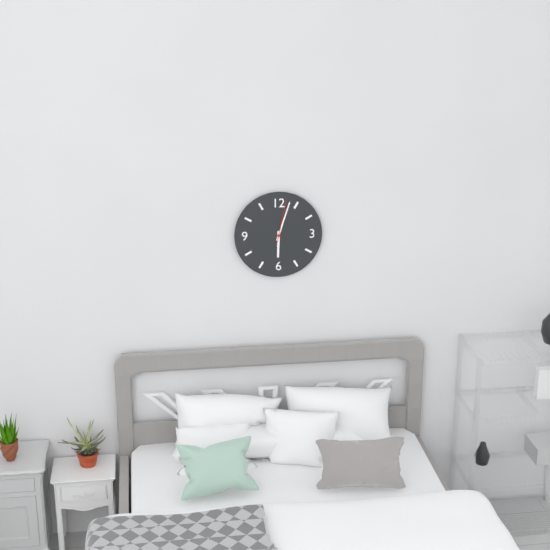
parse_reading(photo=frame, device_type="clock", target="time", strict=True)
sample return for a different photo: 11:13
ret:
6:03
